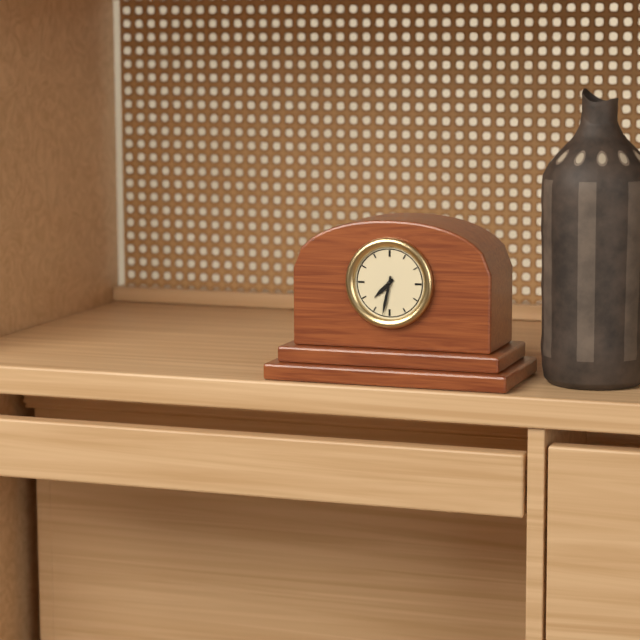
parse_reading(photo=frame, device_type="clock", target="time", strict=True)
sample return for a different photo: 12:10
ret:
7:32
